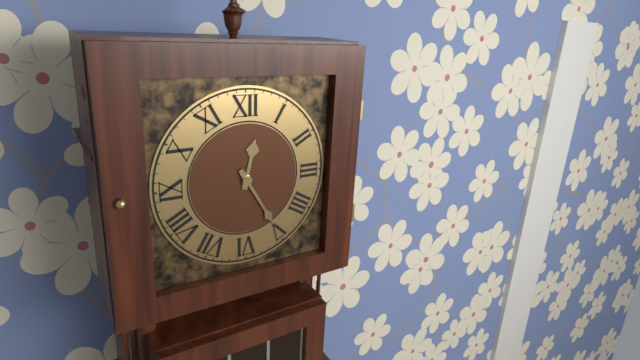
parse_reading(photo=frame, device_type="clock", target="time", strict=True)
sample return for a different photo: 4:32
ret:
12:25
